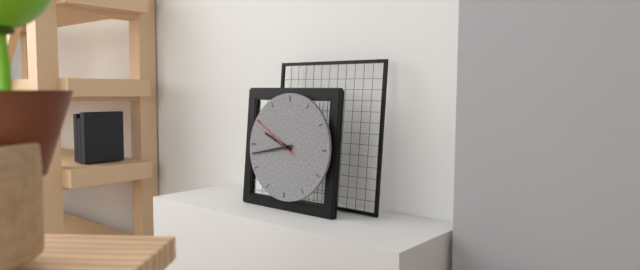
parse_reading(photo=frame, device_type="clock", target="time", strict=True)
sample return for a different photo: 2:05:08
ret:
9:43:50
